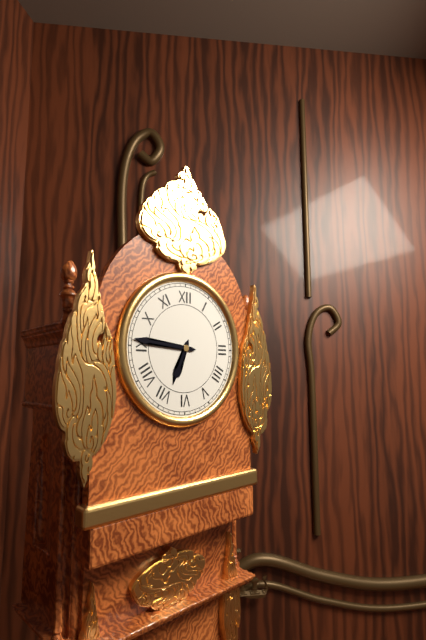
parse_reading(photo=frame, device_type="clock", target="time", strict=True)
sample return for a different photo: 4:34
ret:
6:46
